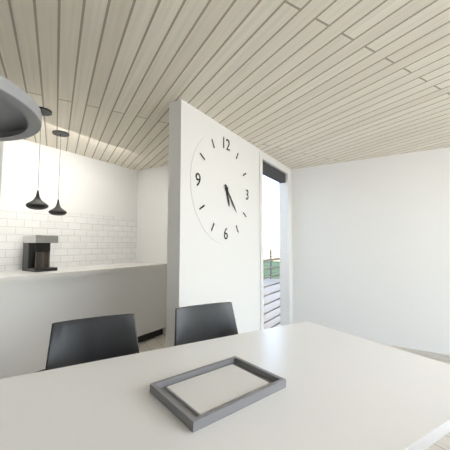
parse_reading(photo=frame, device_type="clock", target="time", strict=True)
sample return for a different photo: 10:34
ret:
5:23
